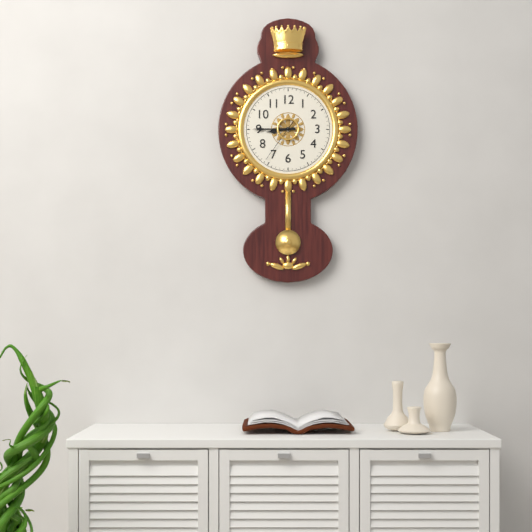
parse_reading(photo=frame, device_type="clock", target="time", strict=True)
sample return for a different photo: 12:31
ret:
8:45
